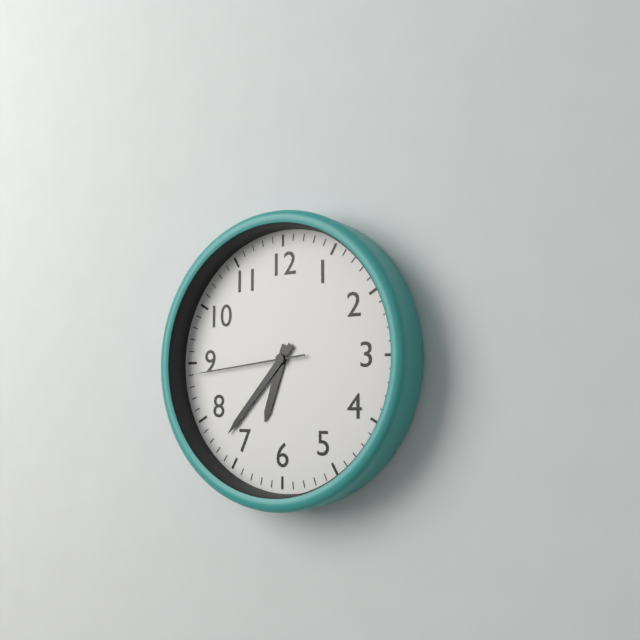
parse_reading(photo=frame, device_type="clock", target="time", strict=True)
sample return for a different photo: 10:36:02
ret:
6:37:44
